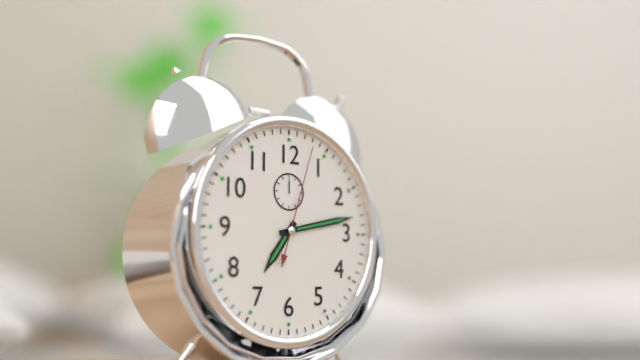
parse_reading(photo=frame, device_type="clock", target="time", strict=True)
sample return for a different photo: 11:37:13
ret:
7:13:03
